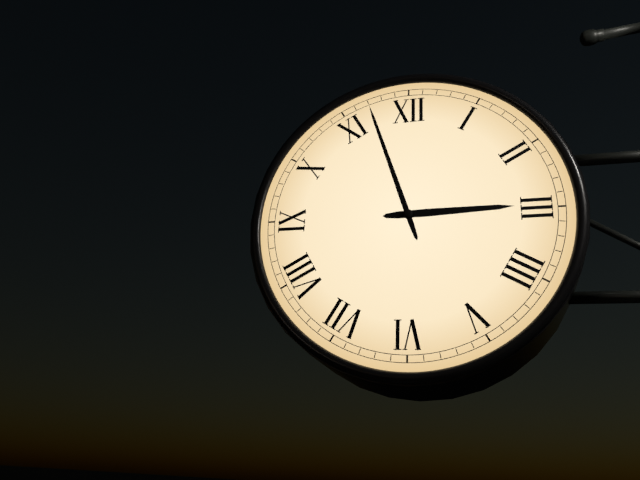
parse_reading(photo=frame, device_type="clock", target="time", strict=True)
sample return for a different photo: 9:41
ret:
2:57
